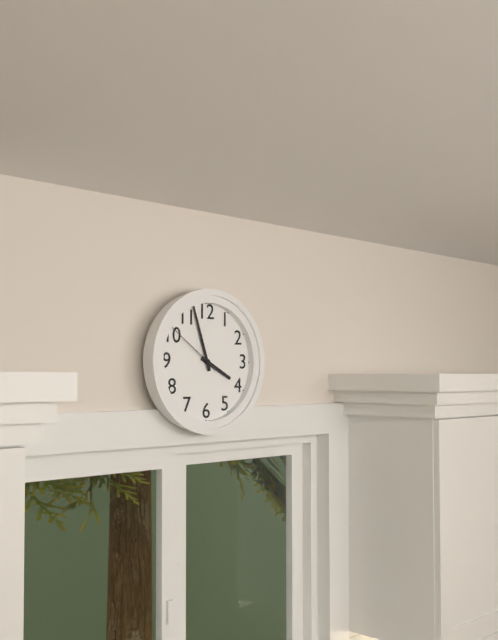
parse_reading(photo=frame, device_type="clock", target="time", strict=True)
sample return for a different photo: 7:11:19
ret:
3:57:51
